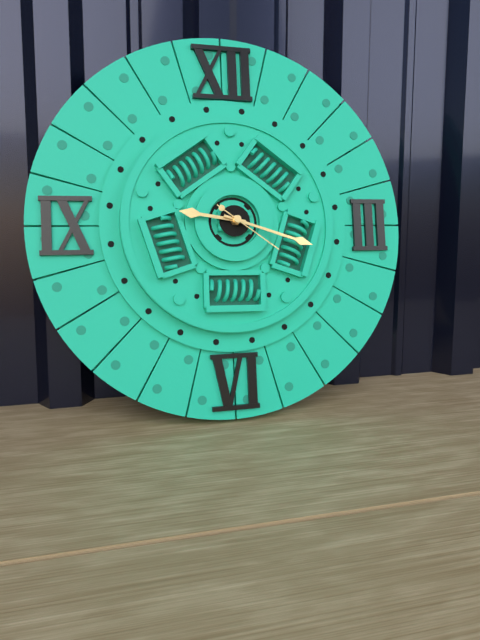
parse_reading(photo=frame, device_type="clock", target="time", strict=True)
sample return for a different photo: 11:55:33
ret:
9:18:21
